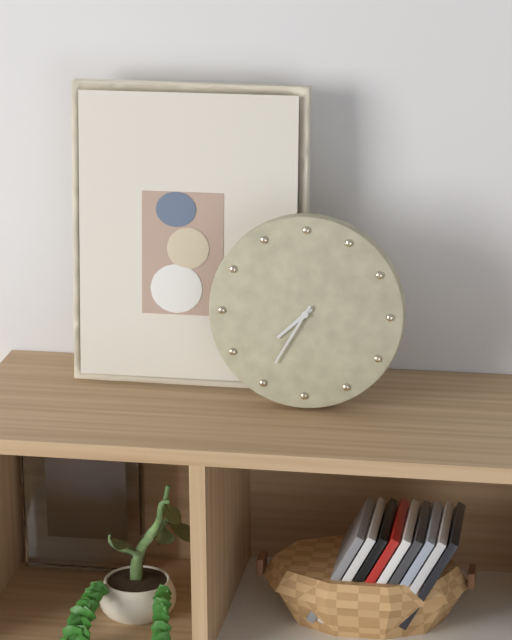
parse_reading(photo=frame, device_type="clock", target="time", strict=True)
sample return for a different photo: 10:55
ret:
7:35
